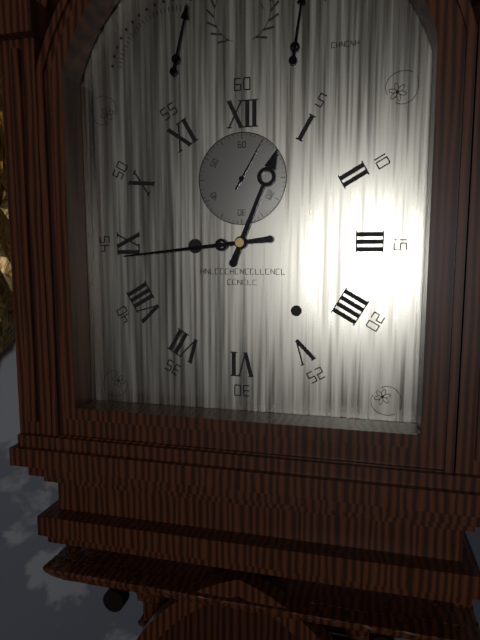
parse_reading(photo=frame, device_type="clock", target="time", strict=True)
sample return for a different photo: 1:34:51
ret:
12:44:05
